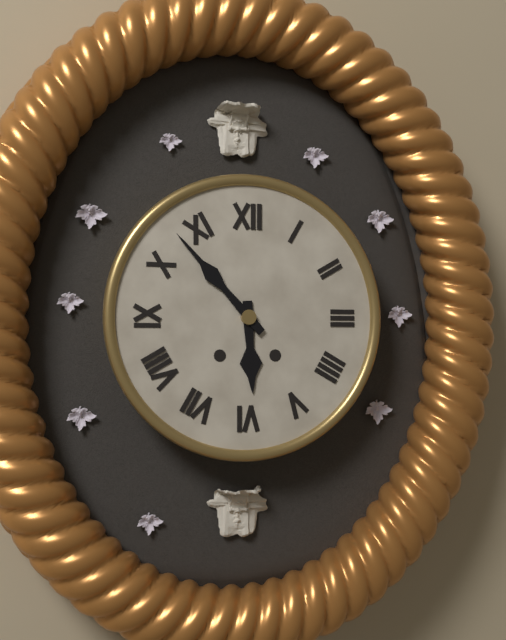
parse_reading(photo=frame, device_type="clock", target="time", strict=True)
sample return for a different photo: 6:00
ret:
5:53
